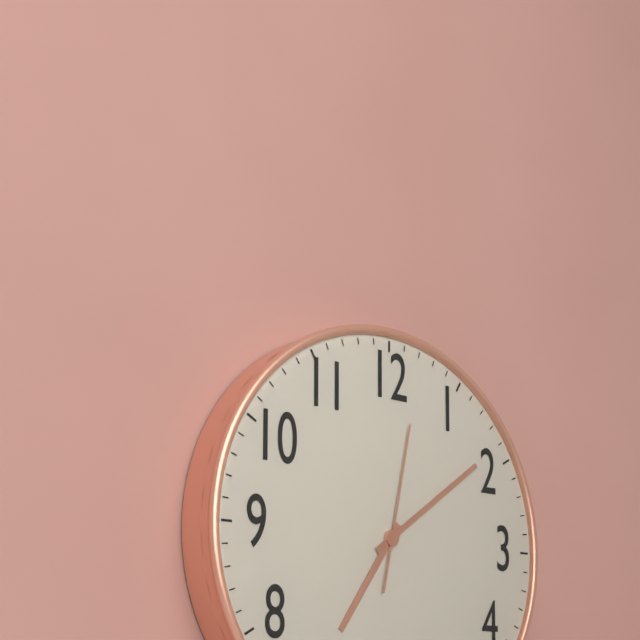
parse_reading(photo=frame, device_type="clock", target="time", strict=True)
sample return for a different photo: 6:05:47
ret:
7:09:02
